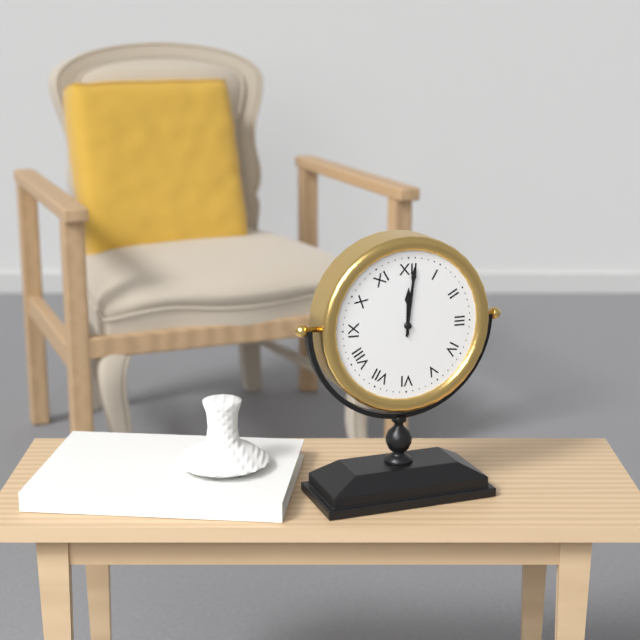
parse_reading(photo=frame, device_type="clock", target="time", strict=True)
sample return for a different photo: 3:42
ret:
12:01
